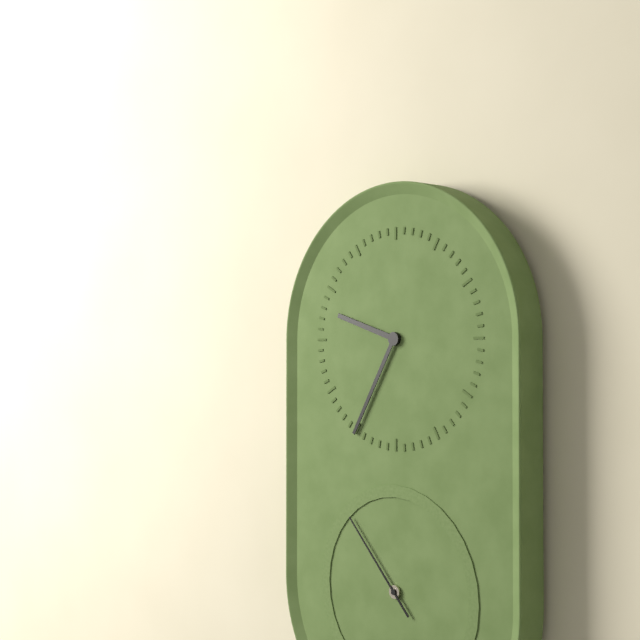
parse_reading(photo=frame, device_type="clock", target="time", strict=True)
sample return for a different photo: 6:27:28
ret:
9:35:53
